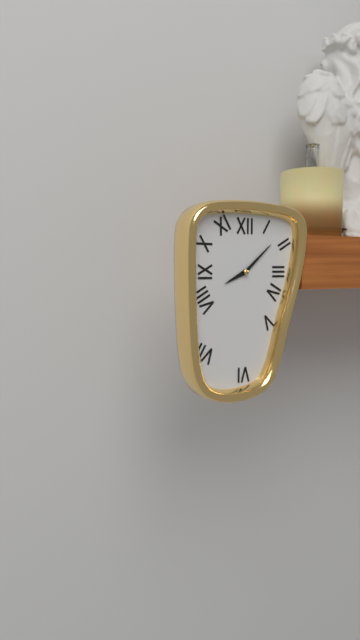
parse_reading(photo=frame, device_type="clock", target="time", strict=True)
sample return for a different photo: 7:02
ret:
8:08
